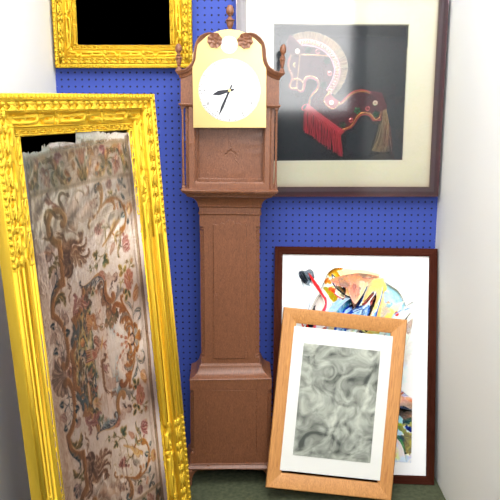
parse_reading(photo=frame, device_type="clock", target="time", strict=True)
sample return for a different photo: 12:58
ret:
8:34
